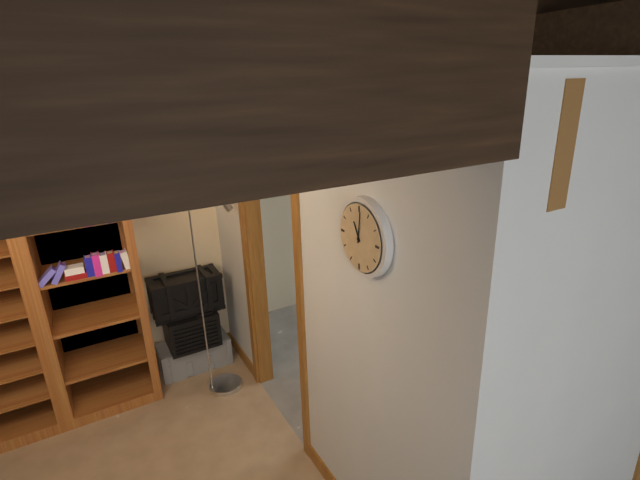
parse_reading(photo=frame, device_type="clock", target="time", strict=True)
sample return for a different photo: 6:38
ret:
11:01
